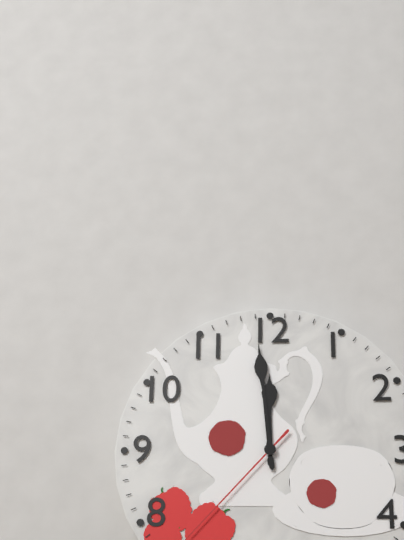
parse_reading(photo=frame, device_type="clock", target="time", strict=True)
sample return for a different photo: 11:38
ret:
11:59
